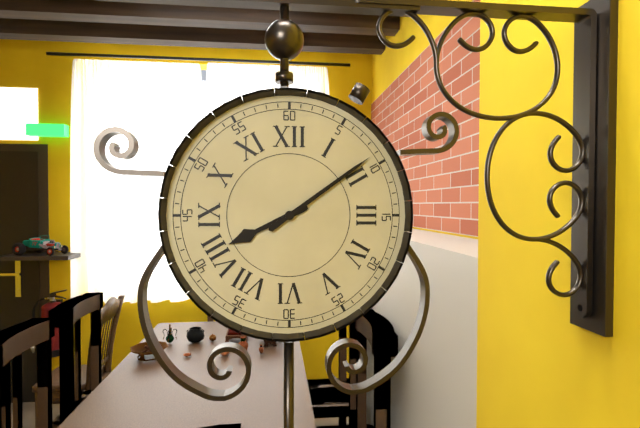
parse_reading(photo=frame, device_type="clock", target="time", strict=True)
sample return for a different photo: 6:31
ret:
8:09
